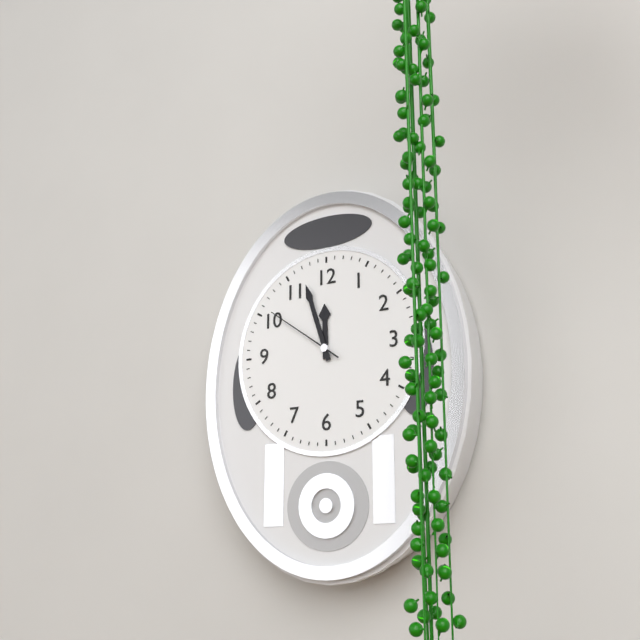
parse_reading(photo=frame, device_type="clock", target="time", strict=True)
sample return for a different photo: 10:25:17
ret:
11:57:51
